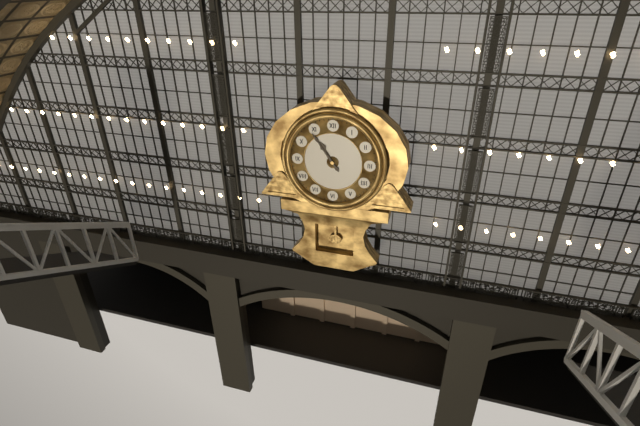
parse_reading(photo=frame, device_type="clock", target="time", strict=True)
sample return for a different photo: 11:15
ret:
10:54
